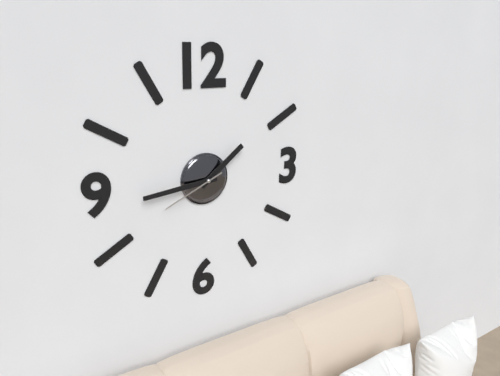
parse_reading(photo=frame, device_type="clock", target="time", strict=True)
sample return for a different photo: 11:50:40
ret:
1:44:41
